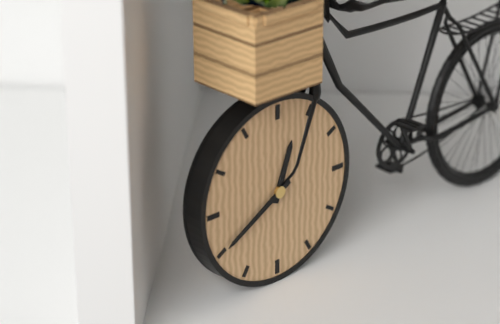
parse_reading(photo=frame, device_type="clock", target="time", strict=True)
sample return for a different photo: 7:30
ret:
12:40
